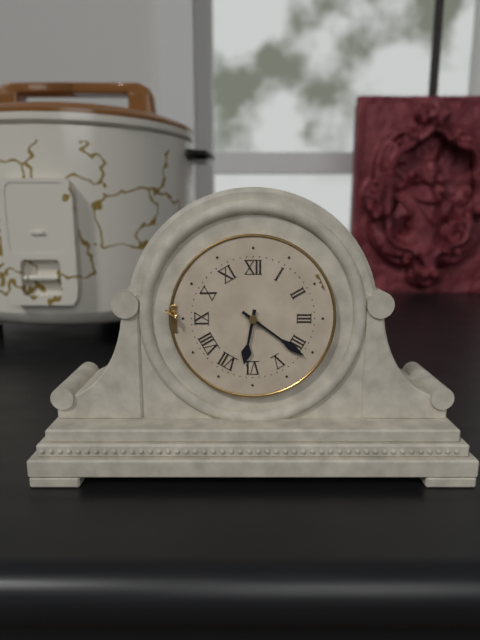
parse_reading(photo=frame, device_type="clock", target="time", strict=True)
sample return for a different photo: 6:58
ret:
6:21
